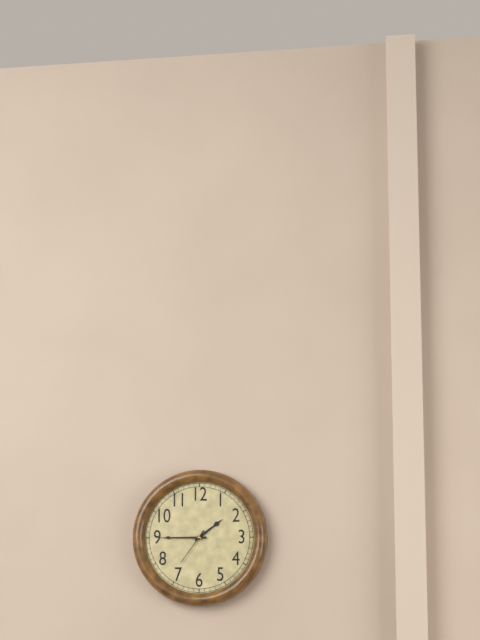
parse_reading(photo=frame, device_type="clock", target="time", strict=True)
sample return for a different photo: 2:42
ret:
1:45
